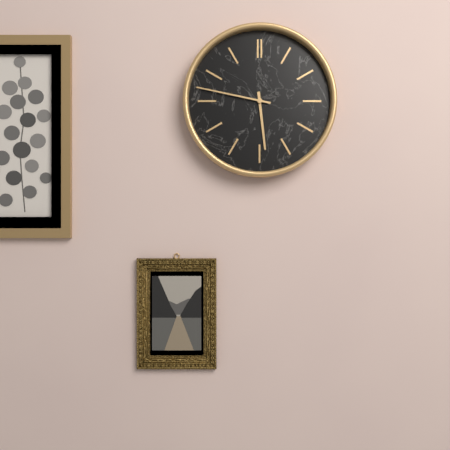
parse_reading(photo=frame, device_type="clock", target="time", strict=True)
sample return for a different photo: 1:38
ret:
5:47
